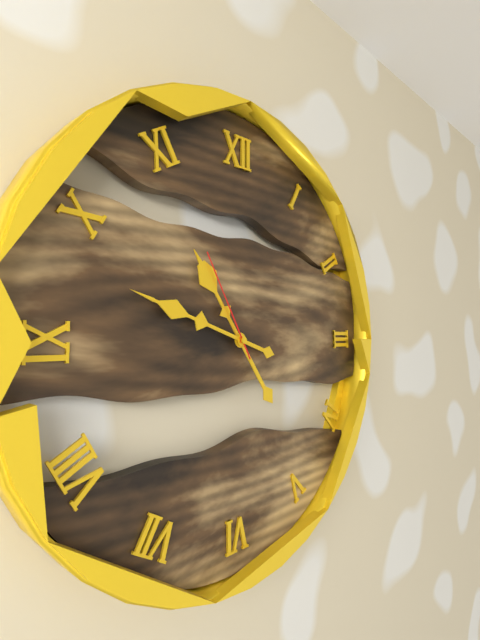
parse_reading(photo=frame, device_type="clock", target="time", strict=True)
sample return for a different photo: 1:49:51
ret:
10:48:55
